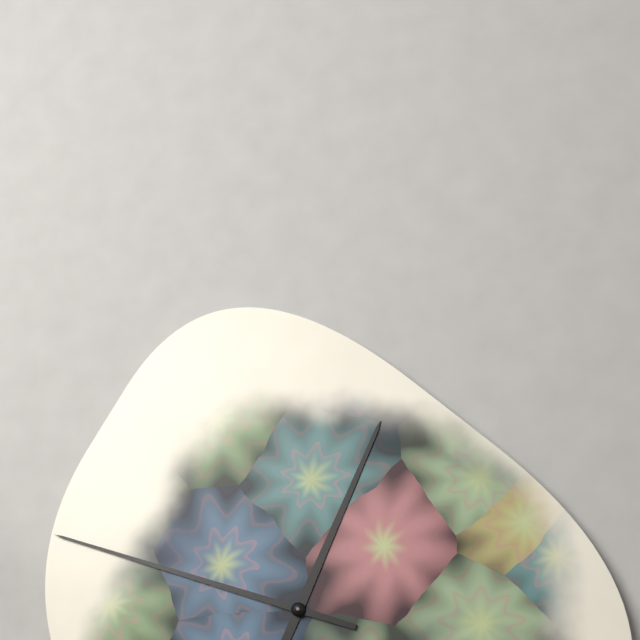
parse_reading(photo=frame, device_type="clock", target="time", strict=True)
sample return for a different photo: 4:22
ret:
12:48
